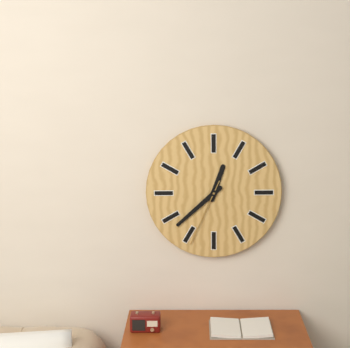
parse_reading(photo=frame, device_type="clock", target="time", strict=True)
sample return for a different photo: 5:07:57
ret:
12:38:34
